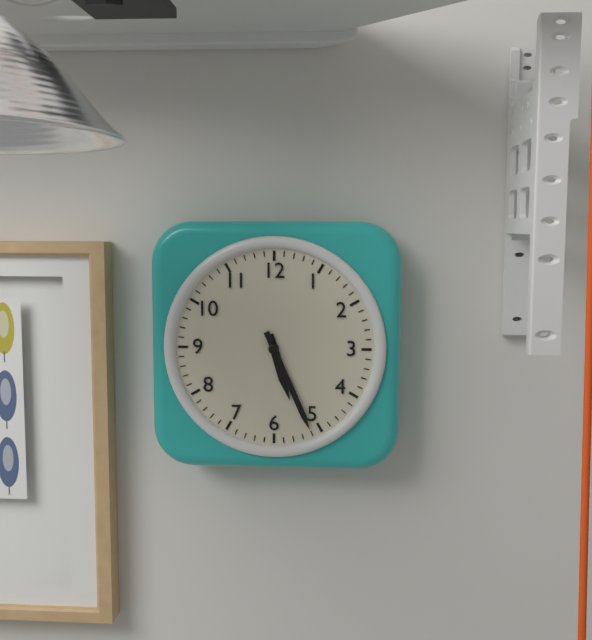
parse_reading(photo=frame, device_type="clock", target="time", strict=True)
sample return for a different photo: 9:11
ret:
5:26
